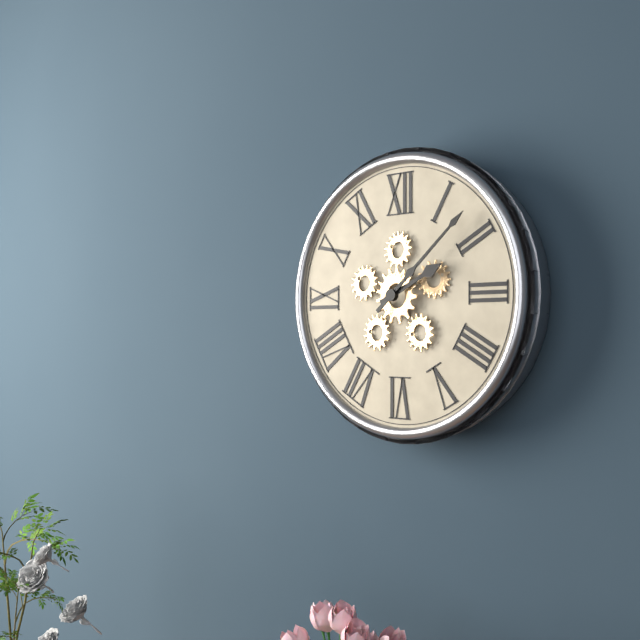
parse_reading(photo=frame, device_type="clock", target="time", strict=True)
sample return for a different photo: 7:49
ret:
2:08
